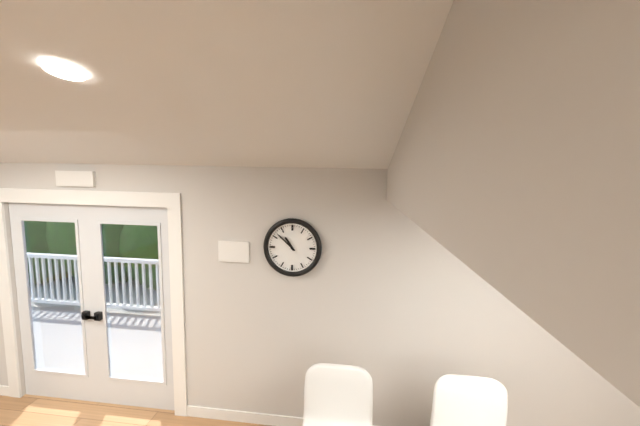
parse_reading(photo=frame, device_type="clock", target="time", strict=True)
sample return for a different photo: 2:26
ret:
10:52
